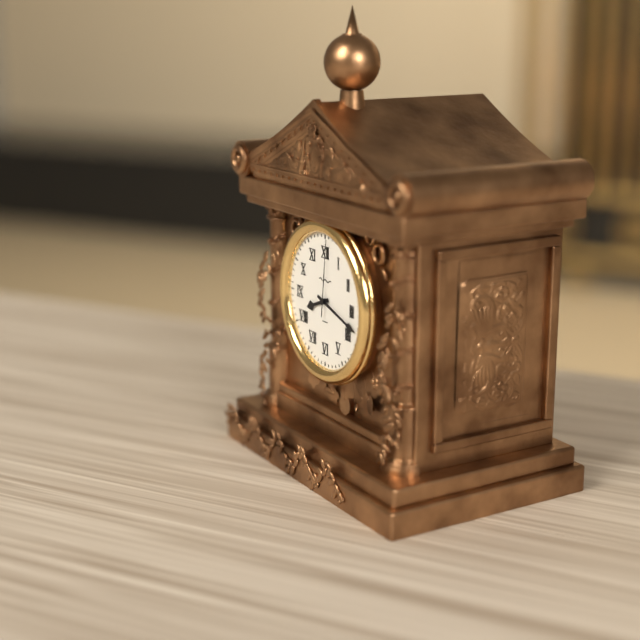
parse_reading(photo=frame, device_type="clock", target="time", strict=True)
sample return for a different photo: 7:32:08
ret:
8:18:01
